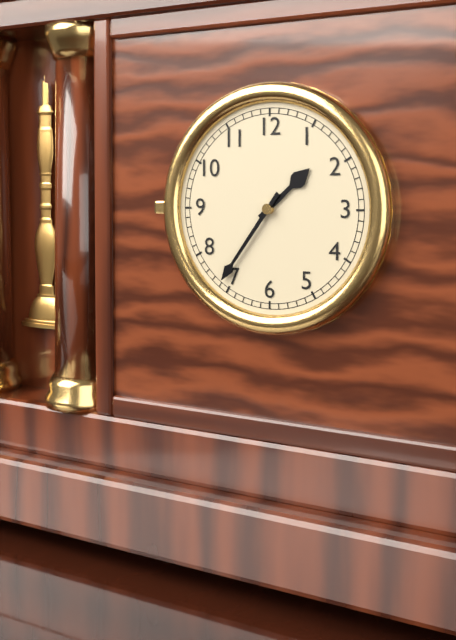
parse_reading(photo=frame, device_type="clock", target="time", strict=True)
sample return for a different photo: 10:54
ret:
1:36
